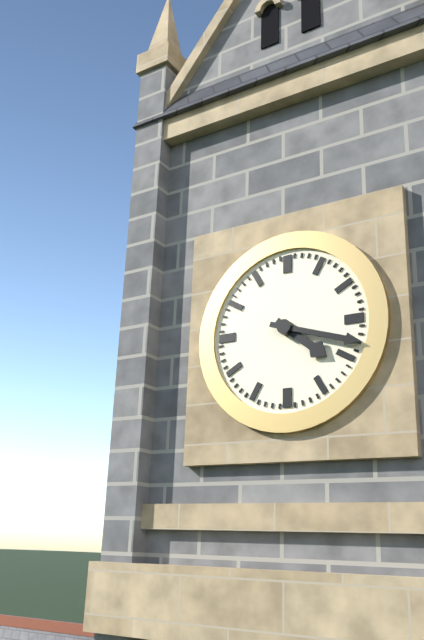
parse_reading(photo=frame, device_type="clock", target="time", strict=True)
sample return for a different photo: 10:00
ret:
4:18
